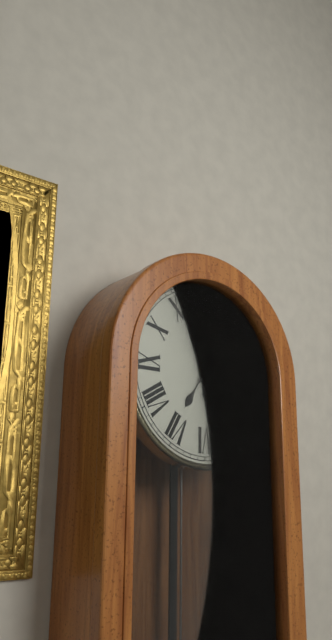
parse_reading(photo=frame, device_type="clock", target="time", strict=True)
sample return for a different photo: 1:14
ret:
7:06
